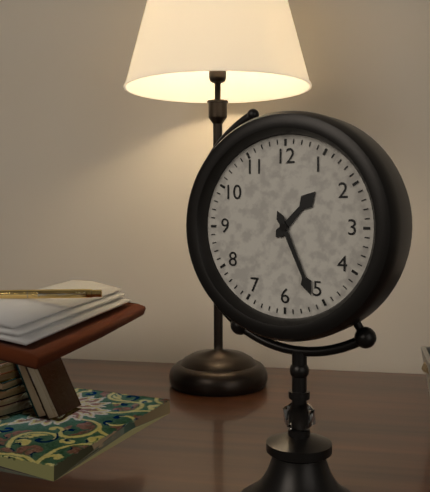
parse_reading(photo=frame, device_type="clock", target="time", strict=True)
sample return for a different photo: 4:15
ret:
1:26
